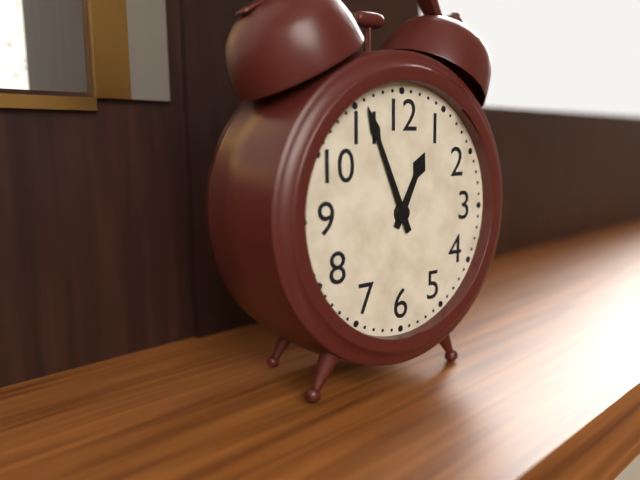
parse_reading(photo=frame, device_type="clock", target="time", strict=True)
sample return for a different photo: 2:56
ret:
12:56
